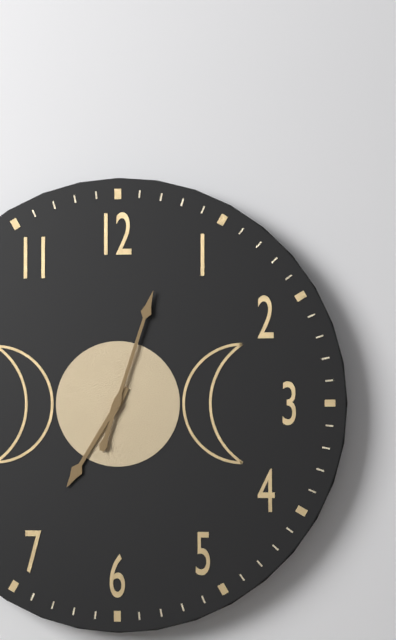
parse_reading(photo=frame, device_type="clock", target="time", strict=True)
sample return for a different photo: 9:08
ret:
7:03
